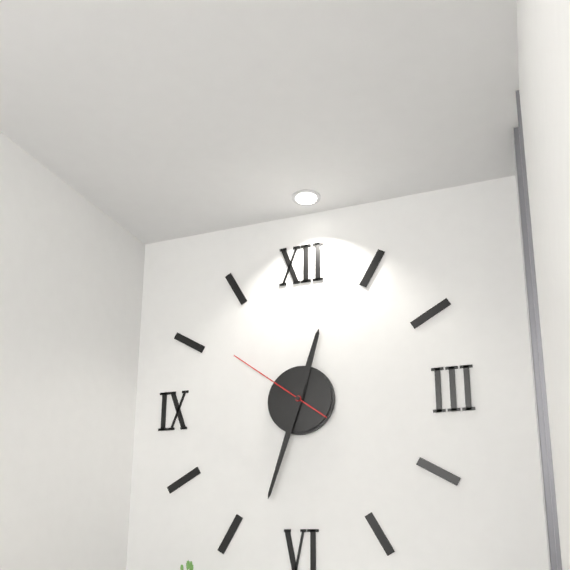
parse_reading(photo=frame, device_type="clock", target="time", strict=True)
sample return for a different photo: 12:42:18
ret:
12:33:51
